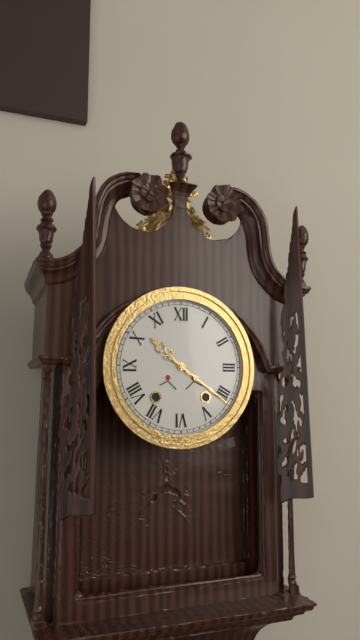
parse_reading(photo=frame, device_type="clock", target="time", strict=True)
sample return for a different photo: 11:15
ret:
10:21
